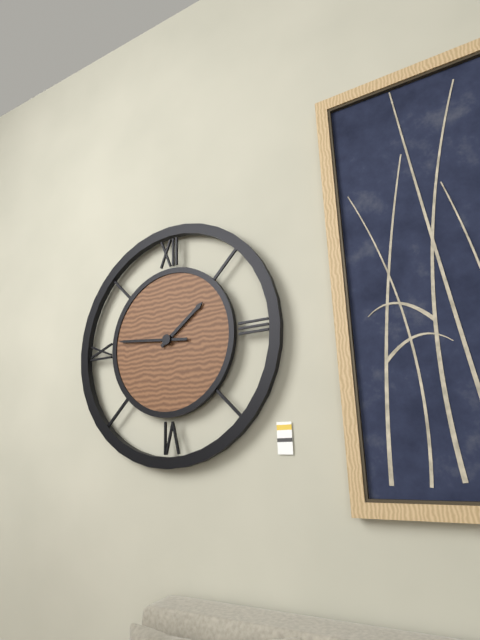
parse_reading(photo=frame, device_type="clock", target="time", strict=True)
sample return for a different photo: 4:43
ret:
1:46
